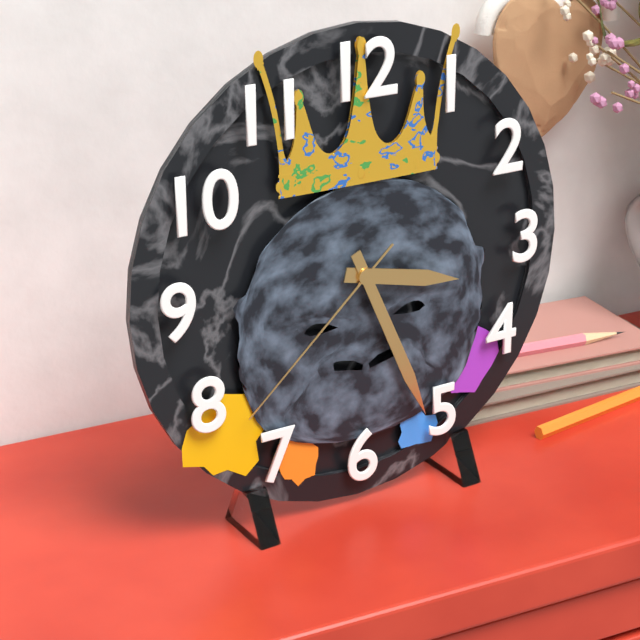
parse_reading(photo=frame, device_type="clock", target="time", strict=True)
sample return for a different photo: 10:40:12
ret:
3:26:38
